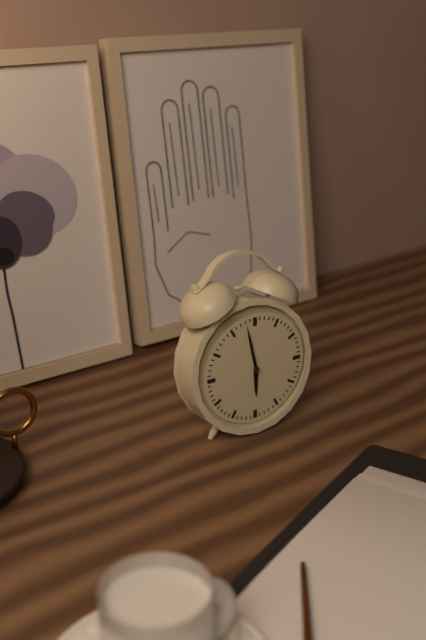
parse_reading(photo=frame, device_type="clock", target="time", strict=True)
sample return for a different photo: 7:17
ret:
5:58
